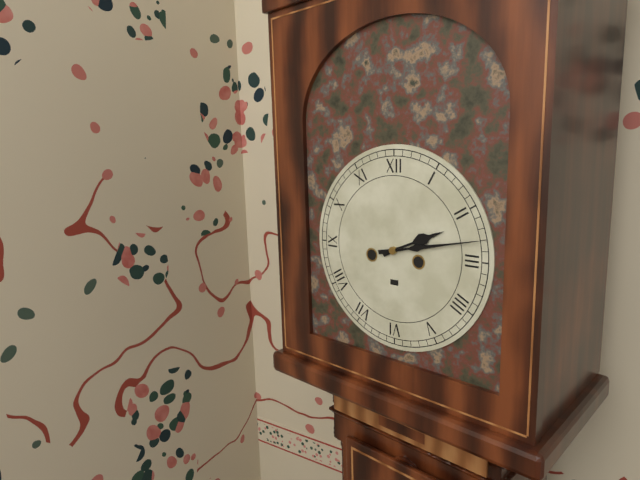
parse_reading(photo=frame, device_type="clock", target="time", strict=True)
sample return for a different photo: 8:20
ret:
2:13
